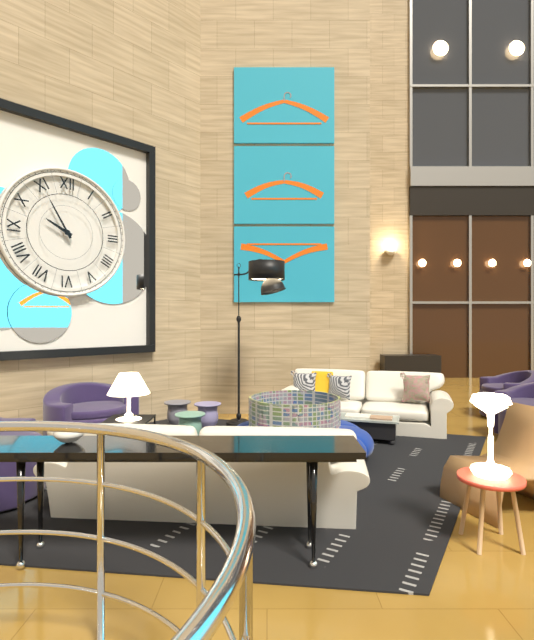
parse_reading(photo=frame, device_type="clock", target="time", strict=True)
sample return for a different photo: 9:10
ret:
9:55
